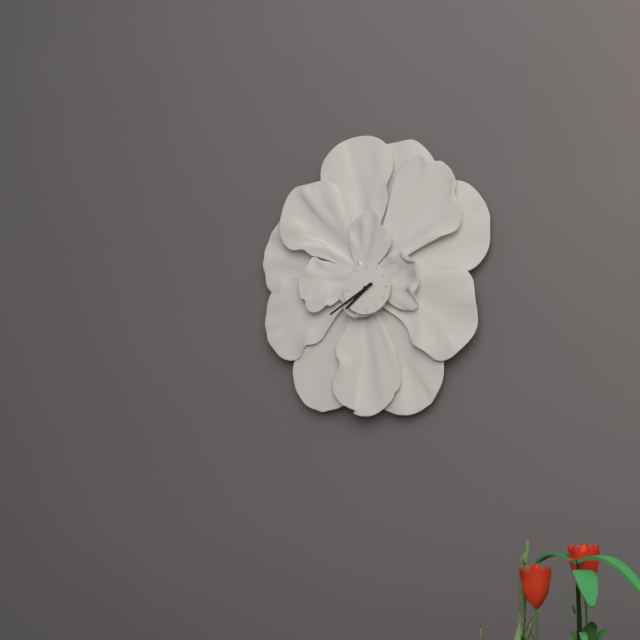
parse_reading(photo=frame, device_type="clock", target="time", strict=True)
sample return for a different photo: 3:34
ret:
7:40
